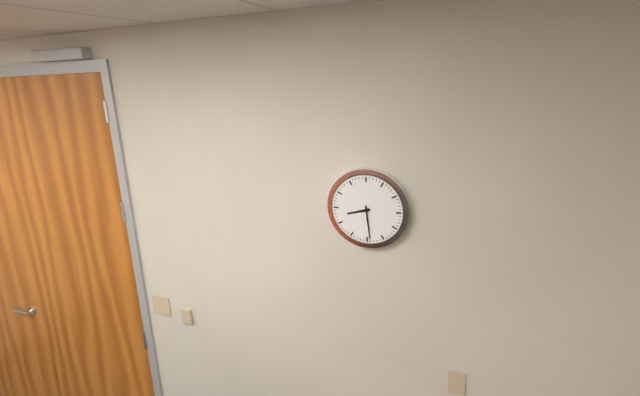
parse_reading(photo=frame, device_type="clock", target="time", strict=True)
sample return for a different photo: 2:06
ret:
8:29
